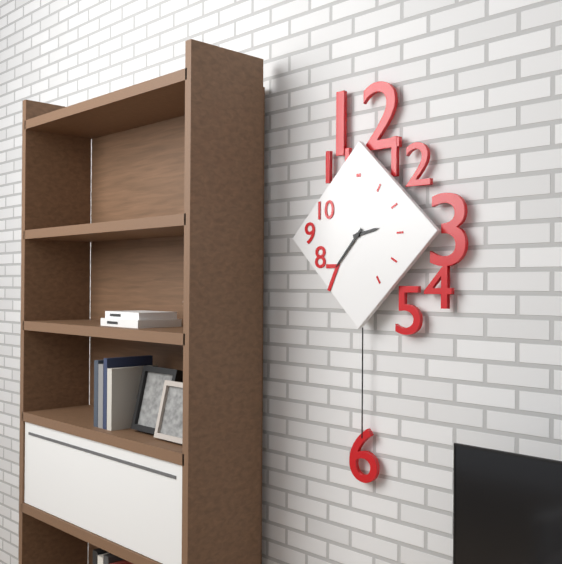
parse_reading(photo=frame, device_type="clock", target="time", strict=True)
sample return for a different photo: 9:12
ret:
2:37
